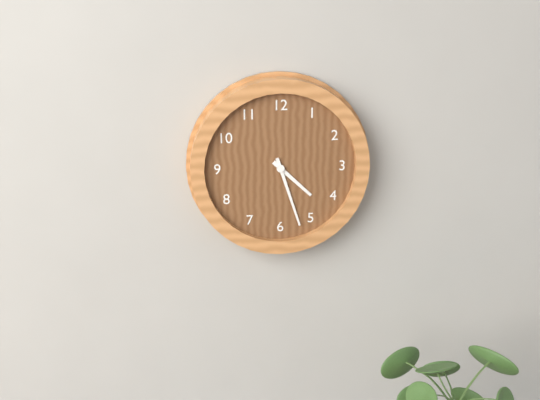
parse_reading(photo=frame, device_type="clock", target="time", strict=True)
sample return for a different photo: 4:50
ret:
4:27
